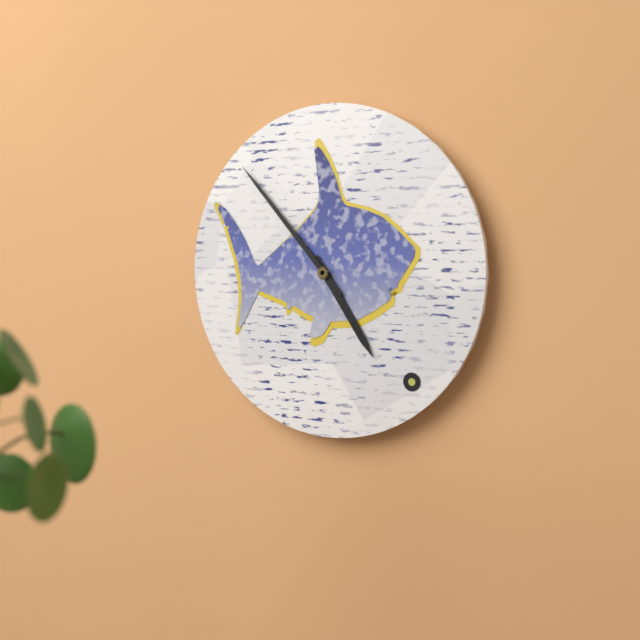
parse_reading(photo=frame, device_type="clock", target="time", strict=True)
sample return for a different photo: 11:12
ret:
4:53
